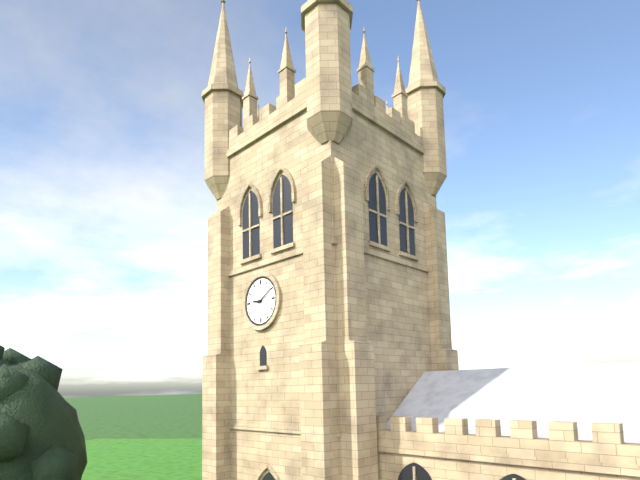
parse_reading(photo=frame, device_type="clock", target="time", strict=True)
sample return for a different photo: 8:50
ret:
9:10
